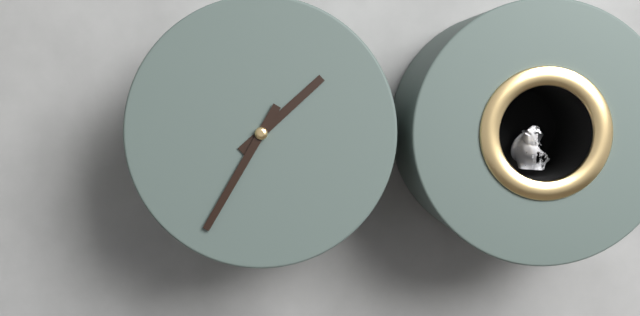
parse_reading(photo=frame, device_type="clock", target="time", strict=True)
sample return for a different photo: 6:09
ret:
1:35
